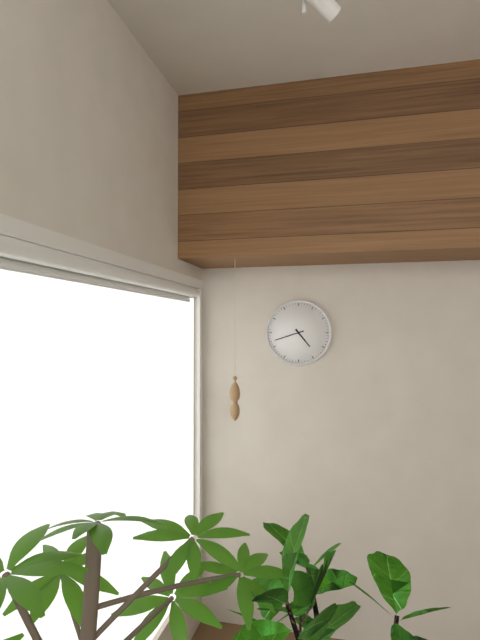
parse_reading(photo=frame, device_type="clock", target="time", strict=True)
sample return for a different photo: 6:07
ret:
4:42
